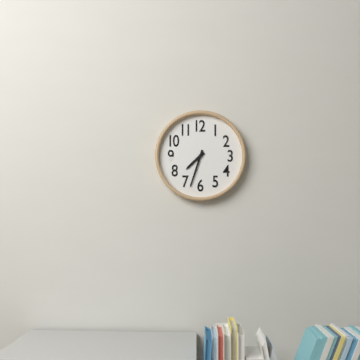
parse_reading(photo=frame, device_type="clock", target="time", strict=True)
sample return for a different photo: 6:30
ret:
7:33
